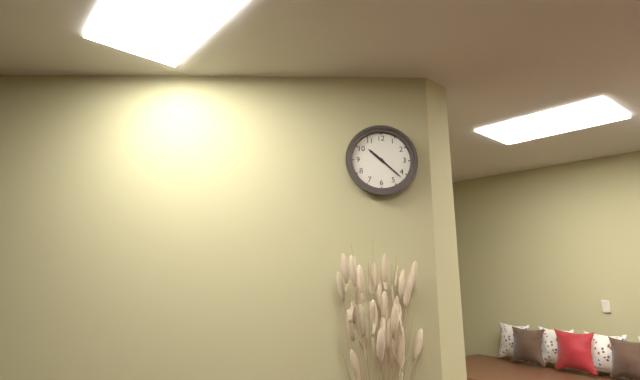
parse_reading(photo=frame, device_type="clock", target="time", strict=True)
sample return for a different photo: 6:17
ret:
10:22
